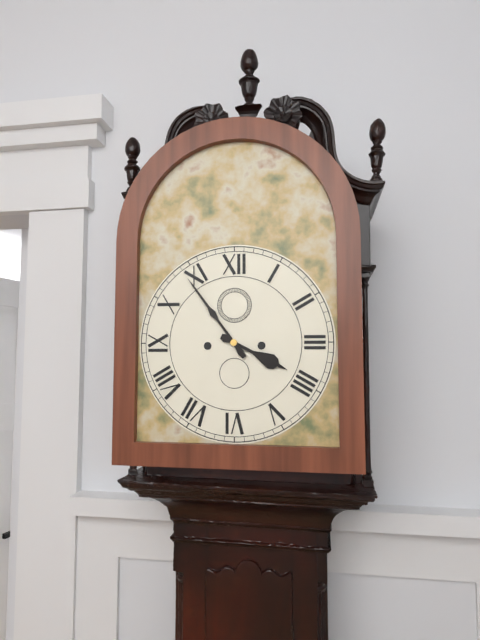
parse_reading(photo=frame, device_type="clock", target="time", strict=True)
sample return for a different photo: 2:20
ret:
3:54
